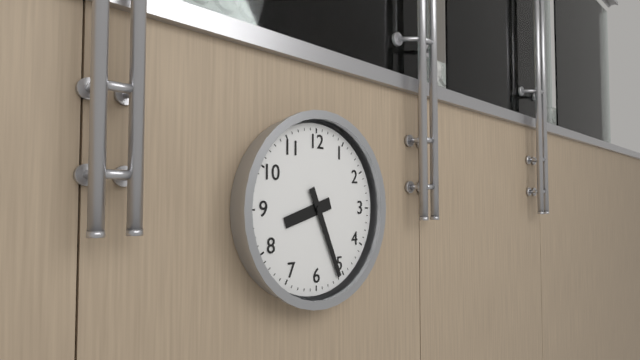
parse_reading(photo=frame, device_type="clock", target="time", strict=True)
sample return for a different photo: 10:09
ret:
8:26
